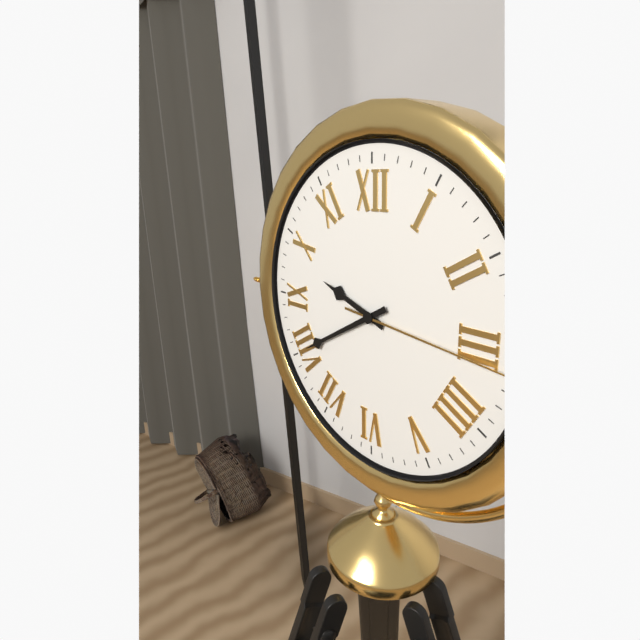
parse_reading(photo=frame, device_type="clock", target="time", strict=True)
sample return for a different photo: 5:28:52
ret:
9:40:16
